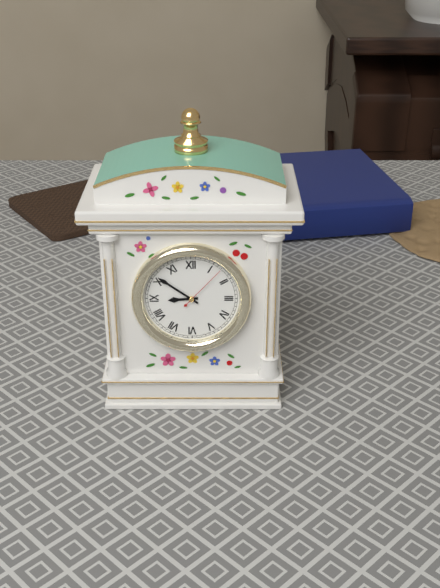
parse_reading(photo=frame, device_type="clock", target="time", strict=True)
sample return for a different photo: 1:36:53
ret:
8:51:07
